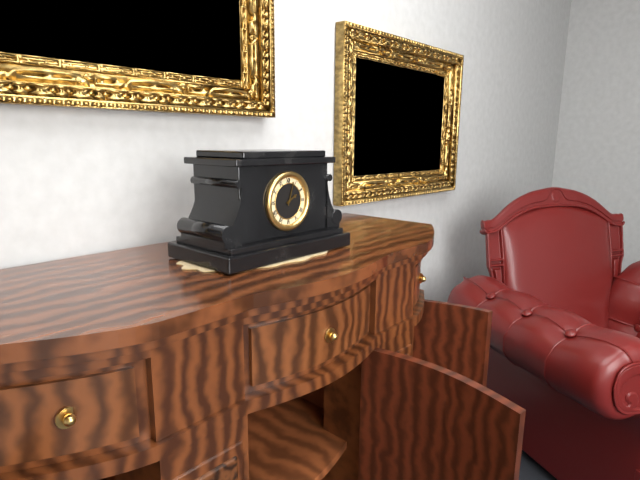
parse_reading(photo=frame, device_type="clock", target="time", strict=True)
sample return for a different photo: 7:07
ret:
2:03
